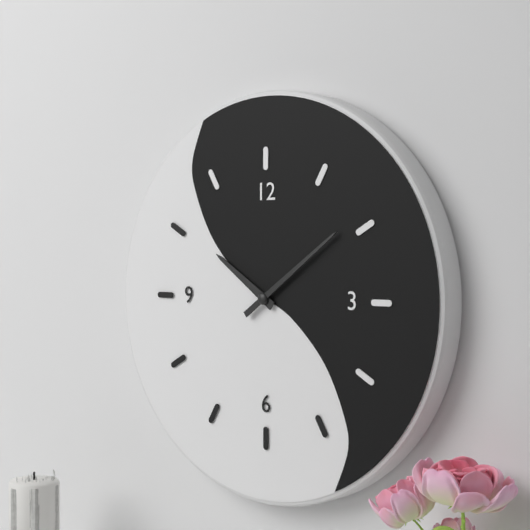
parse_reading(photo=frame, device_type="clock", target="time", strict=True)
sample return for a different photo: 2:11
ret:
10:09
